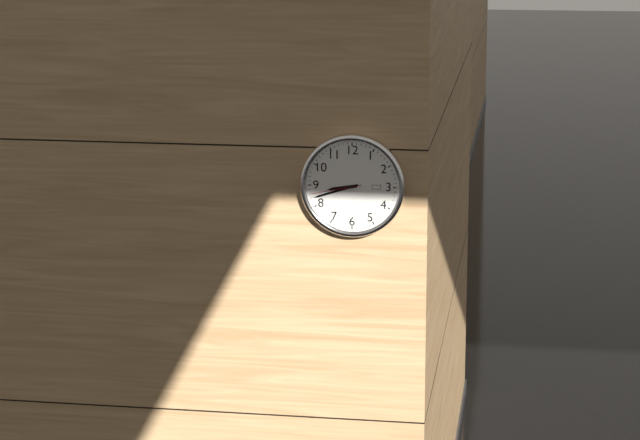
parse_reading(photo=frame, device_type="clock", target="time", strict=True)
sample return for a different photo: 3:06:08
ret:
8:42:43
